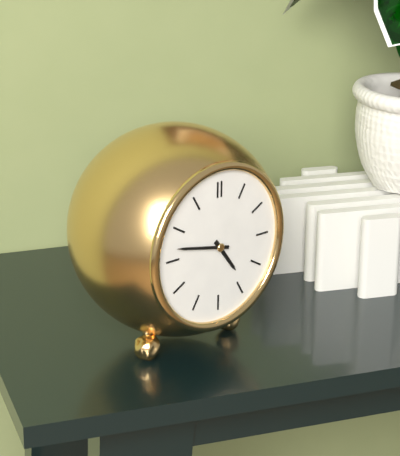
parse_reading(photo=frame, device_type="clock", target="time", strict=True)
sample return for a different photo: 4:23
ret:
4:47
